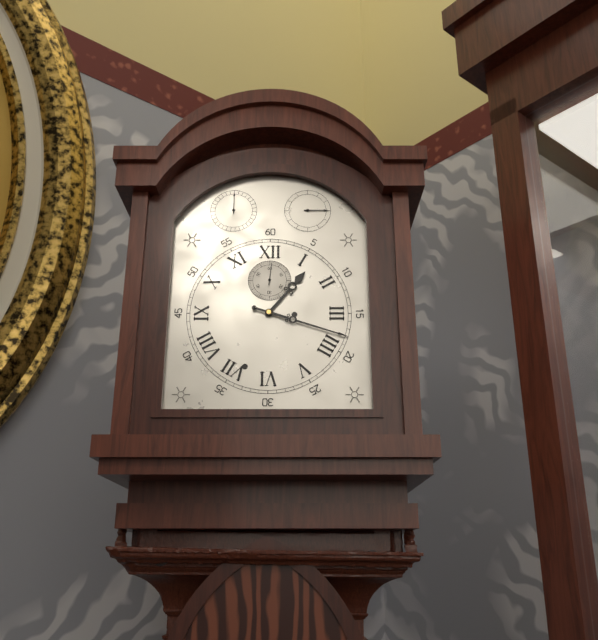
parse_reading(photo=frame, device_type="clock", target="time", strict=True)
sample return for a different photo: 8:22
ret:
1:18
